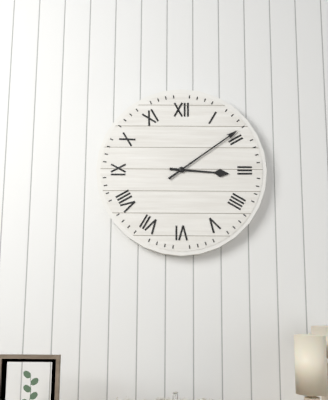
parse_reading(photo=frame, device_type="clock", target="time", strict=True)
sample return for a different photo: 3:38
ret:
3:09
